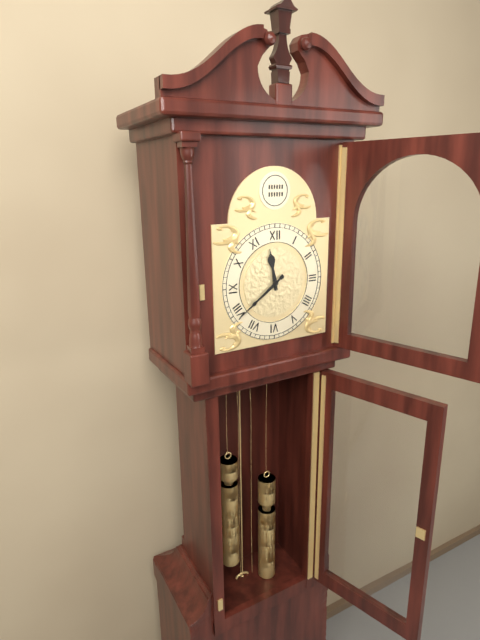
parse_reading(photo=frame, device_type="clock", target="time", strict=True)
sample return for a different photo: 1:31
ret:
11:39
